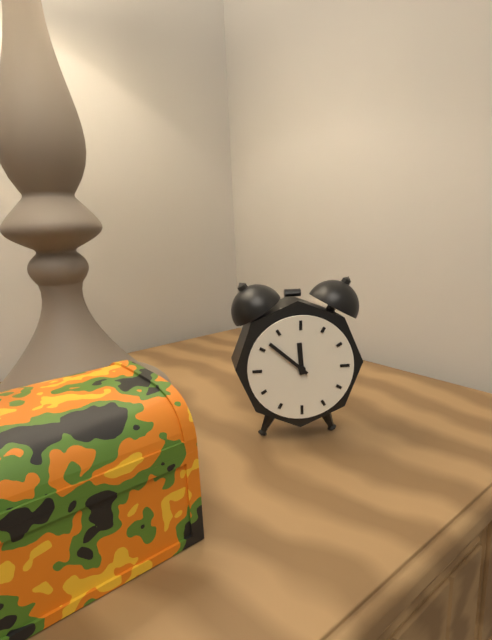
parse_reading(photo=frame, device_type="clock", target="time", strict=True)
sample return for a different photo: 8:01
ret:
11:52
